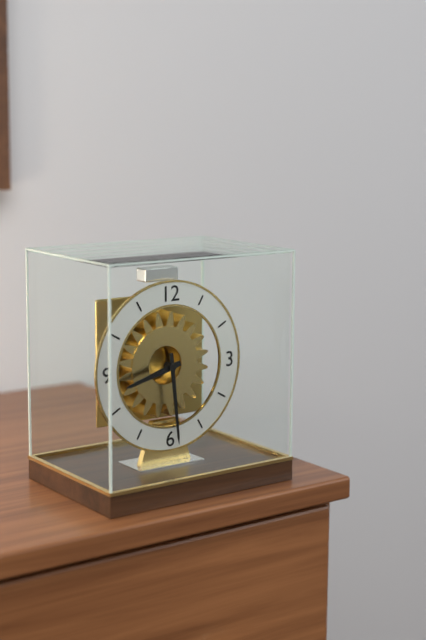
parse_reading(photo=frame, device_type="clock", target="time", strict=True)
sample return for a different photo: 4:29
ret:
8:29
